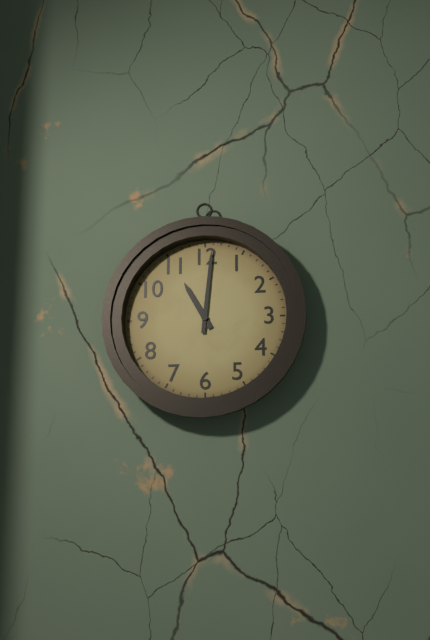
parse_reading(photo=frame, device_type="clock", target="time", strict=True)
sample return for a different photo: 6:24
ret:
11:01
